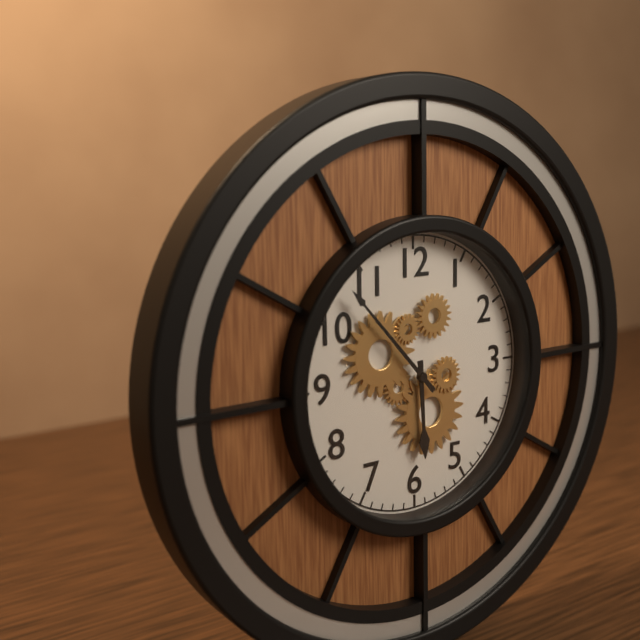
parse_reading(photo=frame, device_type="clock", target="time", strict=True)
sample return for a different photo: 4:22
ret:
5:53
